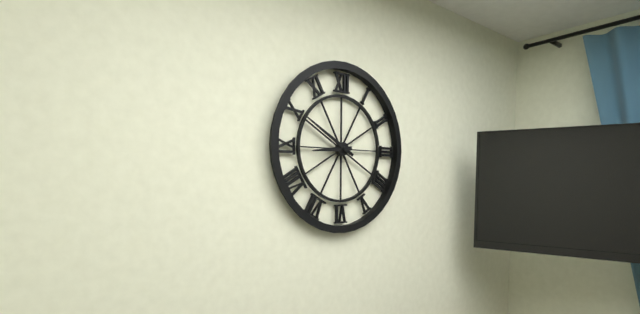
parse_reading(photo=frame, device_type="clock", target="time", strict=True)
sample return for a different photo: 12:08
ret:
8:50
